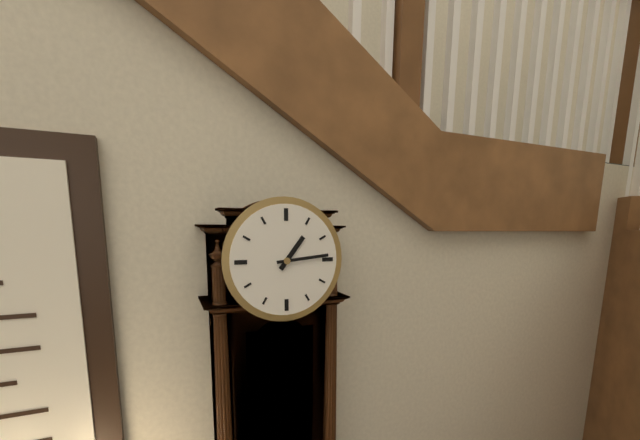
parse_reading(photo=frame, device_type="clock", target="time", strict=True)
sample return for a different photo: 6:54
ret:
1:14
